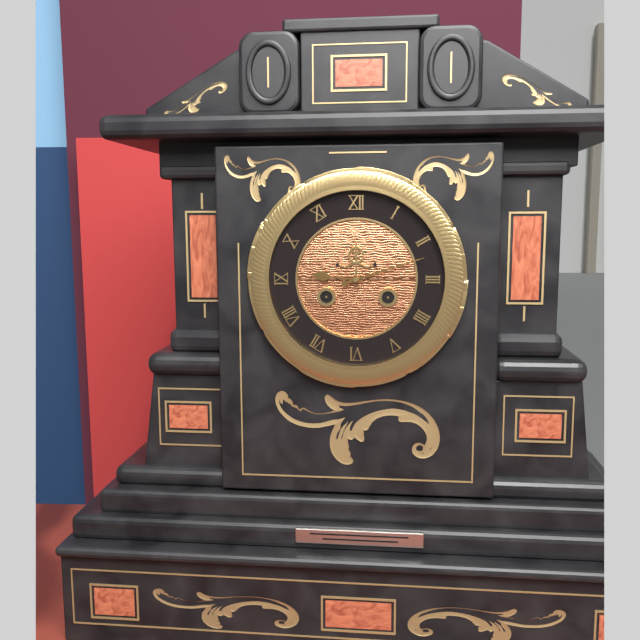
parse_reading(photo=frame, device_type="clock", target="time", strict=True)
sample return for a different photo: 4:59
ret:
9:12
